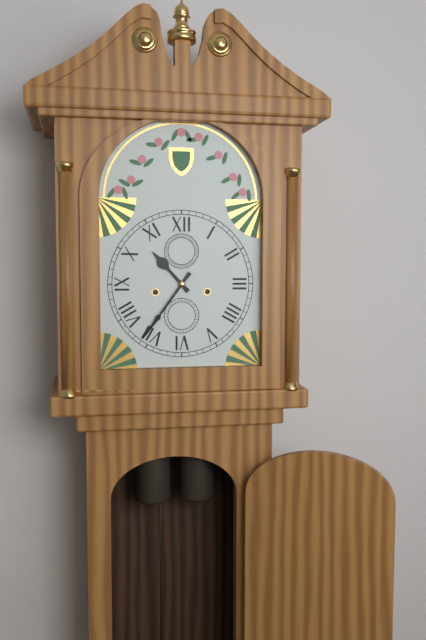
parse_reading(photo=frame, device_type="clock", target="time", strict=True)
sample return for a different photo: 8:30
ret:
10:36
